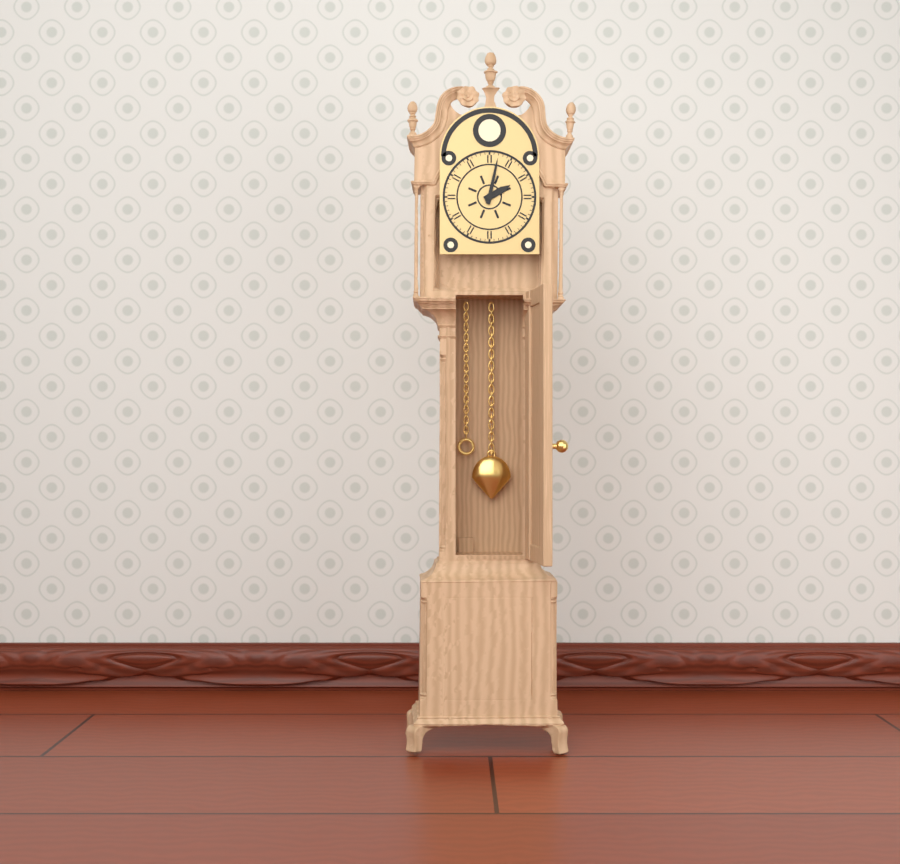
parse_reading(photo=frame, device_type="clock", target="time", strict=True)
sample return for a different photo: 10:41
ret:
2:02
